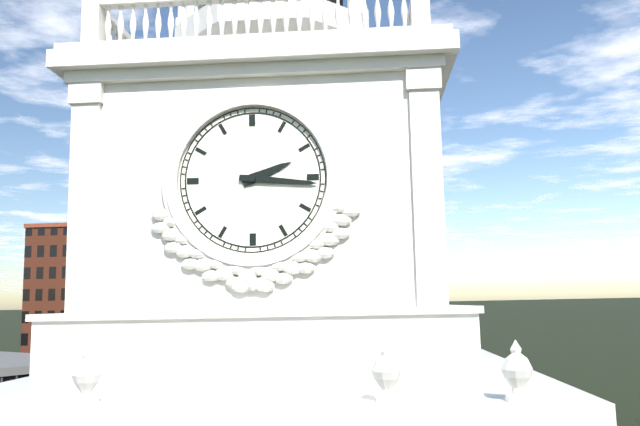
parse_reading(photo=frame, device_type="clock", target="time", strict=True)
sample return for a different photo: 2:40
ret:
2:16
